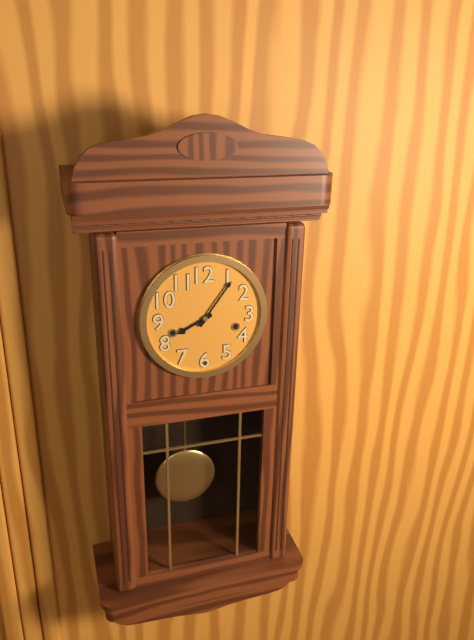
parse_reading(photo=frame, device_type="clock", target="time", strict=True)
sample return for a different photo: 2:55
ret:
8:06
